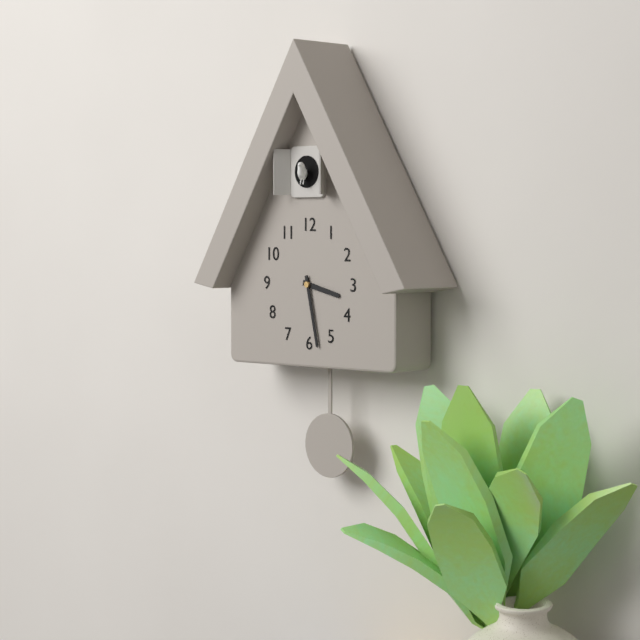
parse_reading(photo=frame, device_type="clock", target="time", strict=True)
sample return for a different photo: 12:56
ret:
3:28
